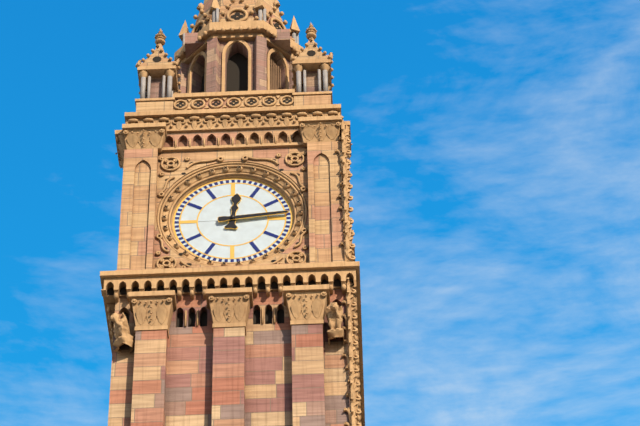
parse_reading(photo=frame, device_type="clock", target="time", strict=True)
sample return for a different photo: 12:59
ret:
12:14
